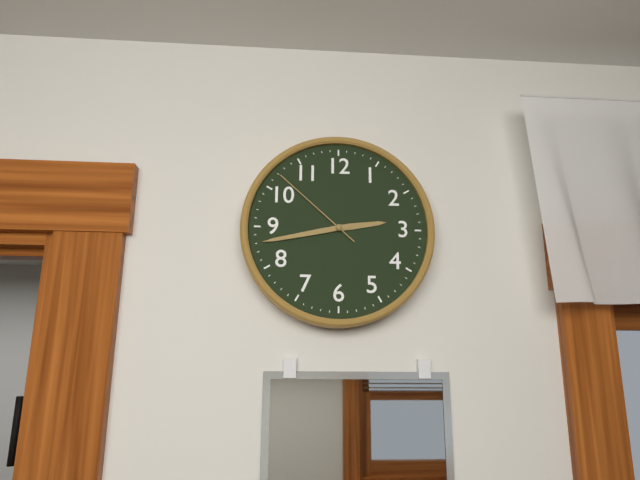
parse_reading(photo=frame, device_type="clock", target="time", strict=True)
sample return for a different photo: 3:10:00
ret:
2:43:52
